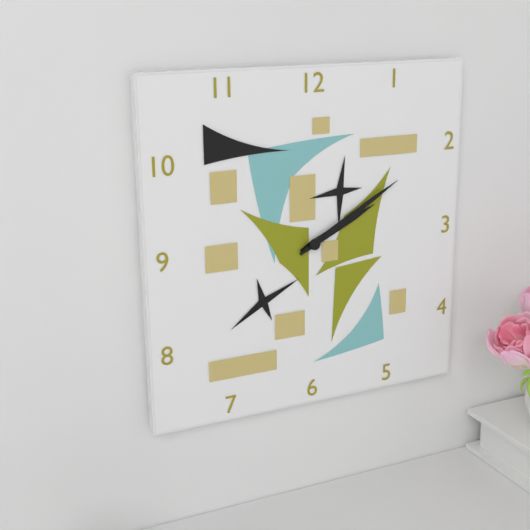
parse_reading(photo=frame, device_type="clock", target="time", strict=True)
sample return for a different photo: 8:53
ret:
2:10
